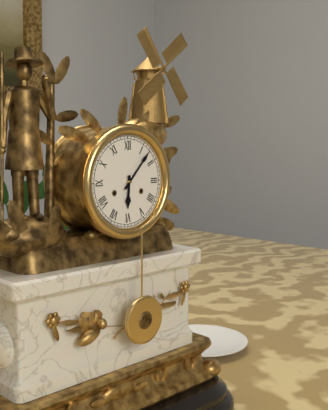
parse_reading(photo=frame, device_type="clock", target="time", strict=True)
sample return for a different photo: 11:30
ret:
6:07
